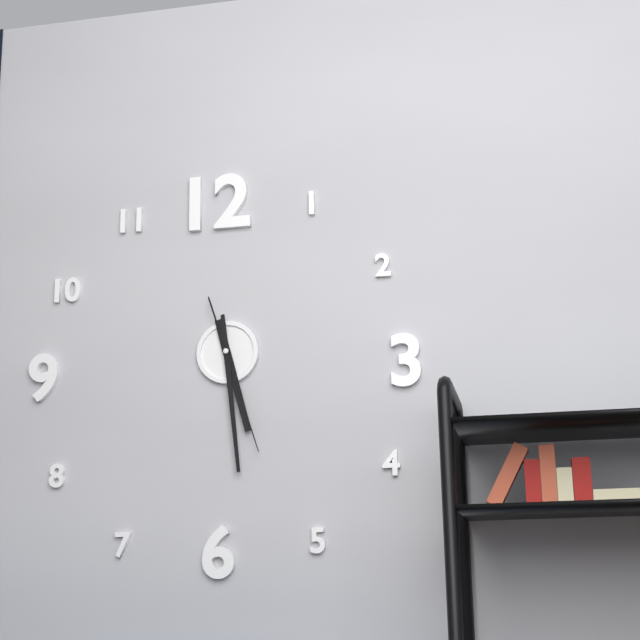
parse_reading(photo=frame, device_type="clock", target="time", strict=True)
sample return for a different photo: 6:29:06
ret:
5:29:27
